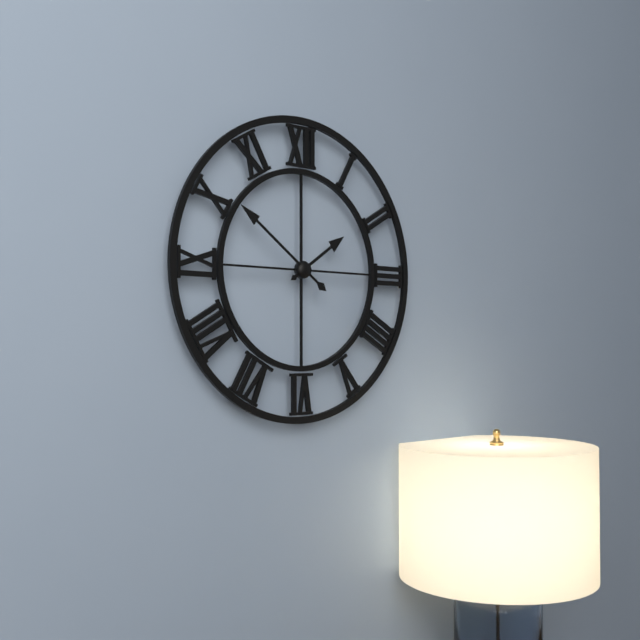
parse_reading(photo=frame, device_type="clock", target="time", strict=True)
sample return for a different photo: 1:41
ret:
1:51
